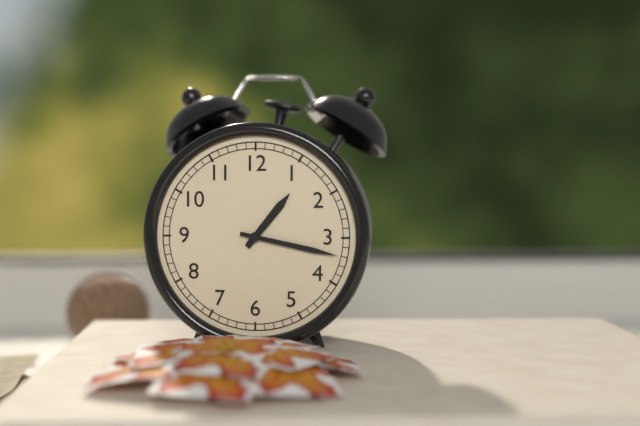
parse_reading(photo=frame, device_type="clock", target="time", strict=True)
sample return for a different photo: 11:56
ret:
1:17
